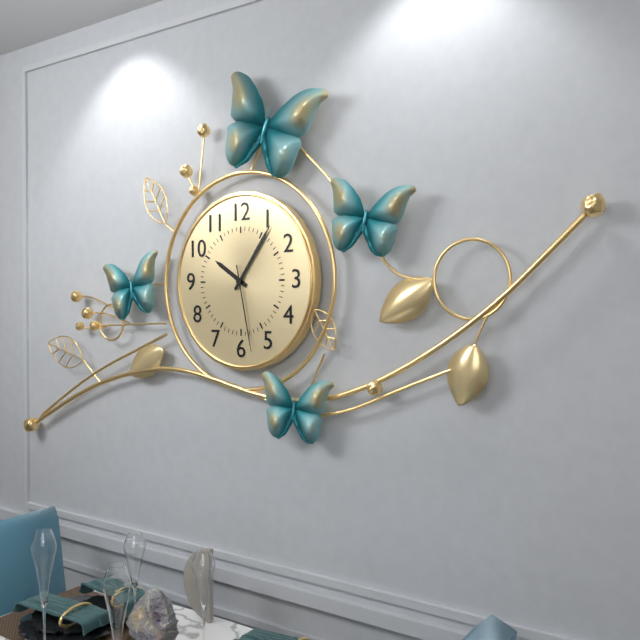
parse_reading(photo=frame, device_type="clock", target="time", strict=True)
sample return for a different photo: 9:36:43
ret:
10:06:28
